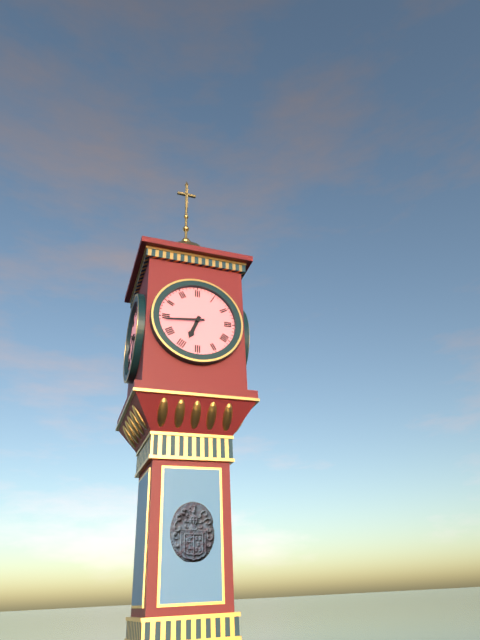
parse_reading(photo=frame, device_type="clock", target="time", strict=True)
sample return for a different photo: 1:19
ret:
6:44
